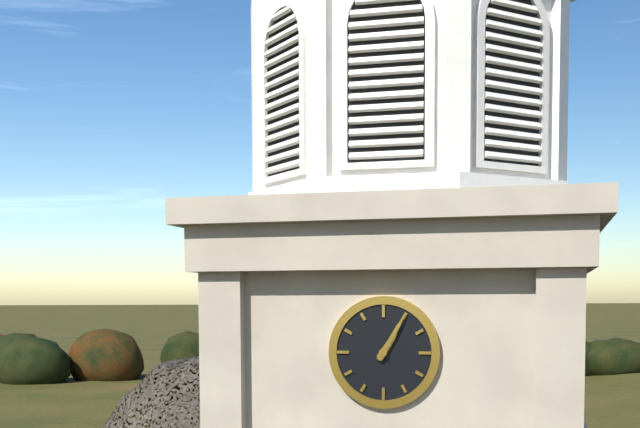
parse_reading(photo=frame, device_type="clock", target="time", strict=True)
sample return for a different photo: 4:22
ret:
1:05
